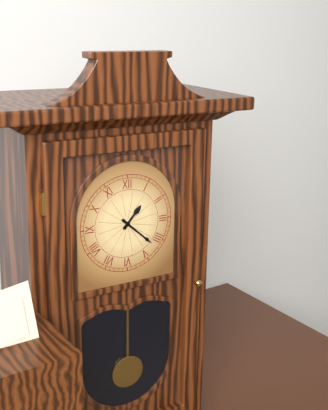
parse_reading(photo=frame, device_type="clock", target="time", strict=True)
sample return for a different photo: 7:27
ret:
1:22
